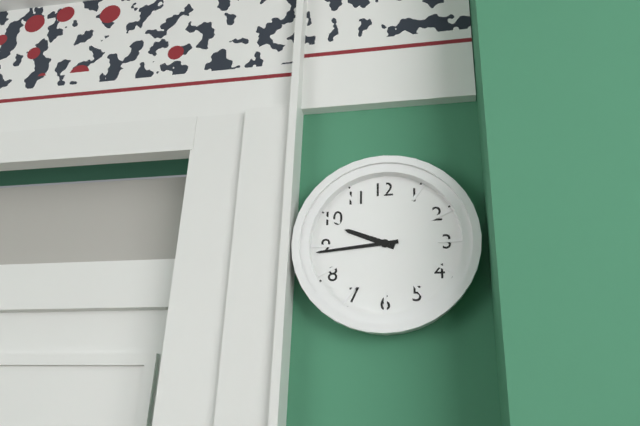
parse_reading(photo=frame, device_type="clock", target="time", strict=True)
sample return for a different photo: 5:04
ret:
9:44
